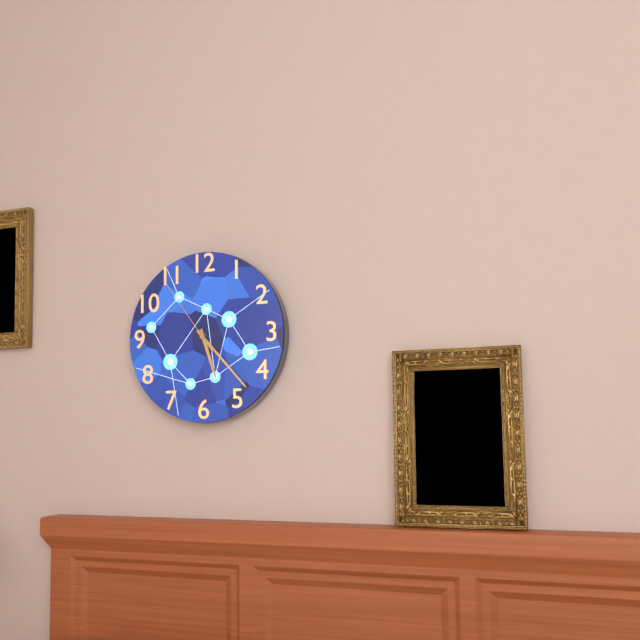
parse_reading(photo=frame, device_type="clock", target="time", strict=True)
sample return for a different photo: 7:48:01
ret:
5:23:54
